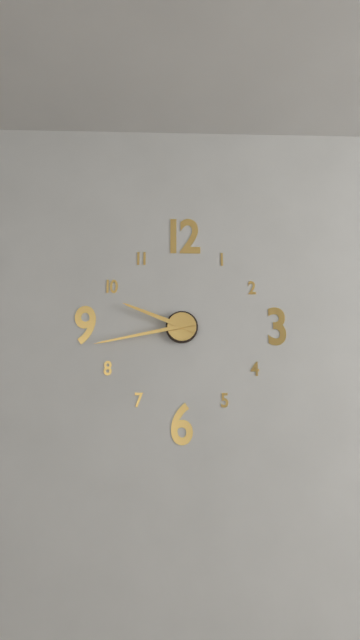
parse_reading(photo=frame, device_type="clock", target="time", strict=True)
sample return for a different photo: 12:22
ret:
9:43
